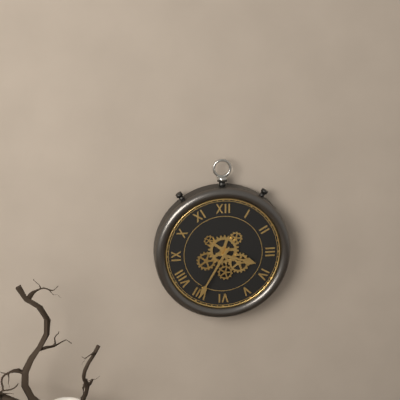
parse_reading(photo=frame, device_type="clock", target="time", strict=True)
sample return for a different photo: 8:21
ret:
3:35
